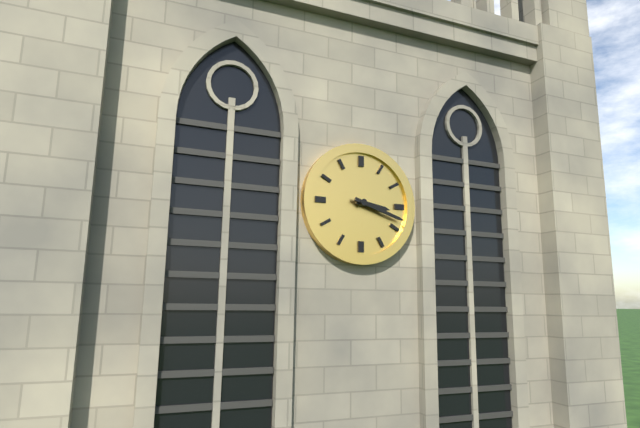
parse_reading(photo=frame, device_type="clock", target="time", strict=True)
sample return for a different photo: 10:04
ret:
3:18
